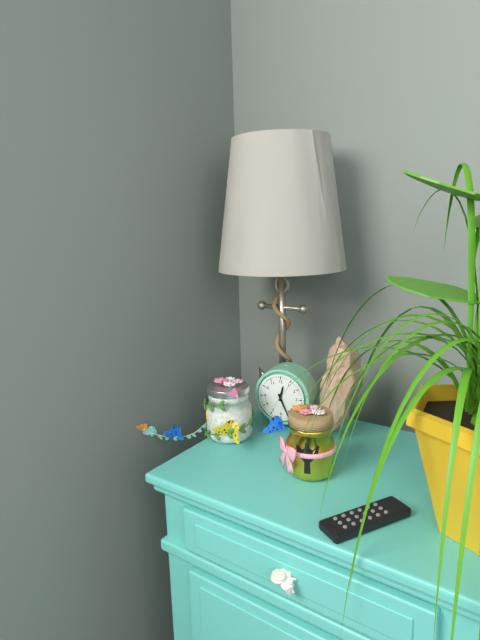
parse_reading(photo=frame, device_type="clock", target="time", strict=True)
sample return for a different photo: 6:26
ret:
12:26
